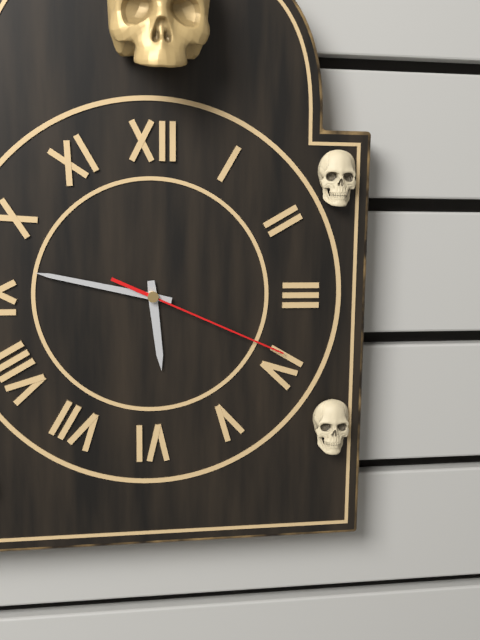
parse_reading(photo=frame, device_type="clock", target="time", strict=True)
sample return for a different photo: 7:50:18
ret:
5:47:19
